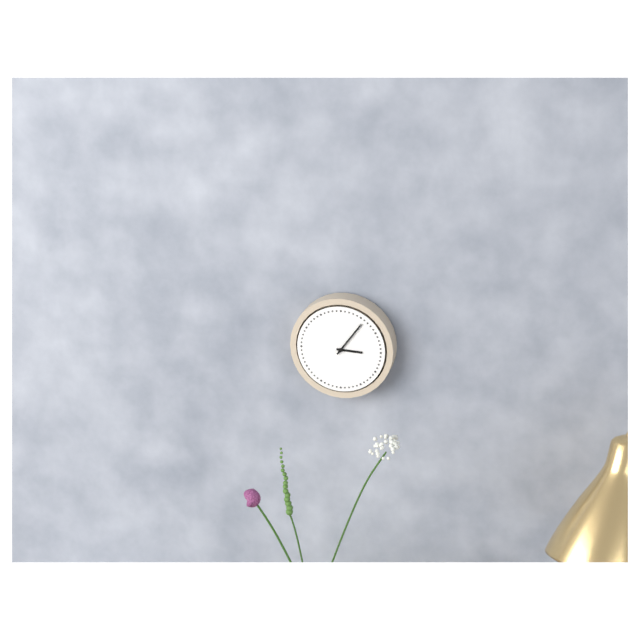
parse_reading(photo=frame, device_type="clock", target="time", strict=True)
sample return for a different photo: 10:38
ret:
3:06
